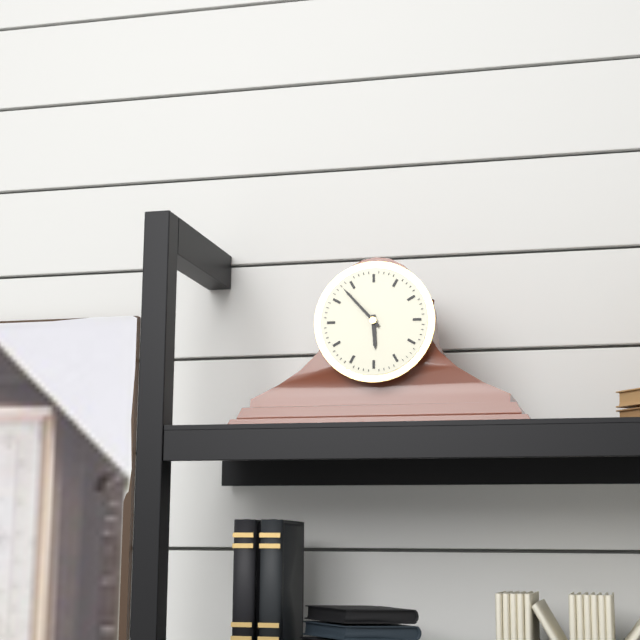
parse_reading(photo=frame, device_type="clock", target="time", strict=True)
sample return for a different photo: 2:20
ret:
5:53
